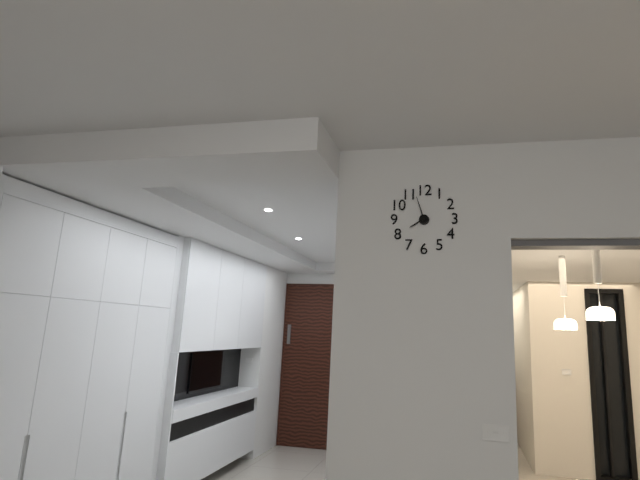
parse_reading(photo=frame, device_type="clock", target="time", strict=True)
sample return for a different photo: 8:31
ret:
7:57
